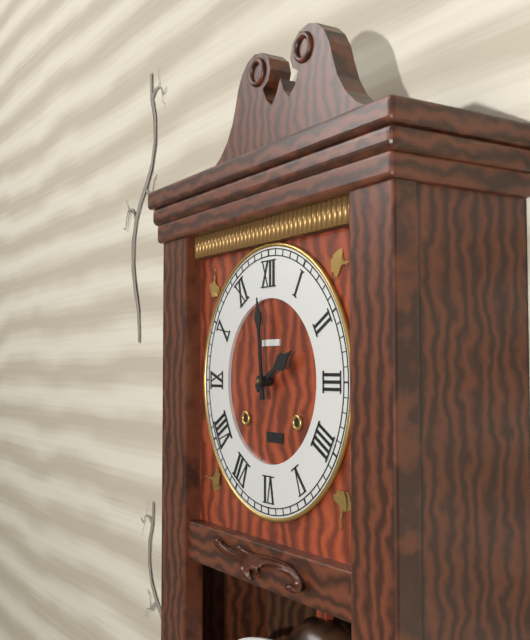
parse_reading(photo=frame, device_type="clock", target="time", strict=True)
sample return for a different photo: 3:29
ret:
1:59
